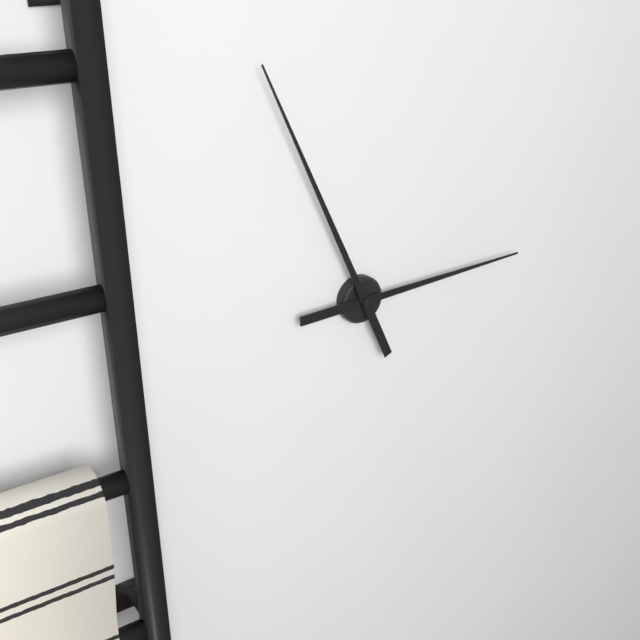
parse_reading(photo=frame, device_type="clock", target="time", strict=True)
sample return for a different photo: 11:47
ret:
2:56
